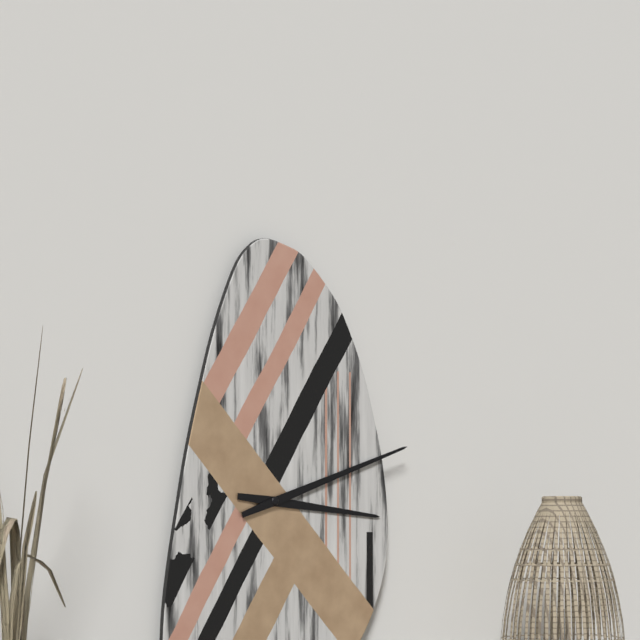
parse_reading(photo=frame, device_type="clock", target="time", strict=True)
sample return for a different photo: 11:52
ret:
3:12
